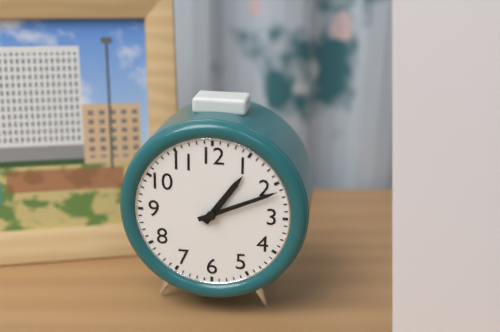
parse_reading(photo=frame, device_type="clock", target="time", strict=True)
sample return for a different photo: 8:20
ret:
1:11
